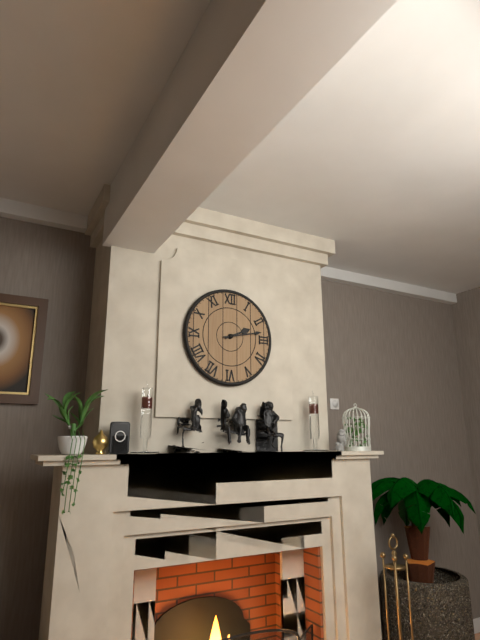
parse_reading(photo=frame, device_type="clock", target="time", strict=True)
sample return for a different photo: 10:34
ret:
2:13
